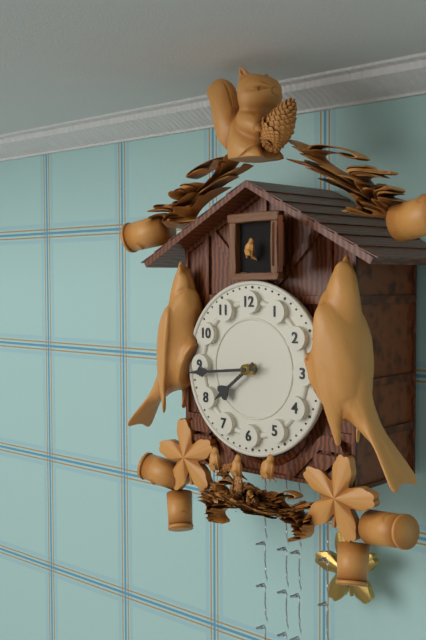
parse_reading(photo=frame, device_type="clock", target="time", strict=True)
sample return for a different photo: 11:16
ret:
7:44
